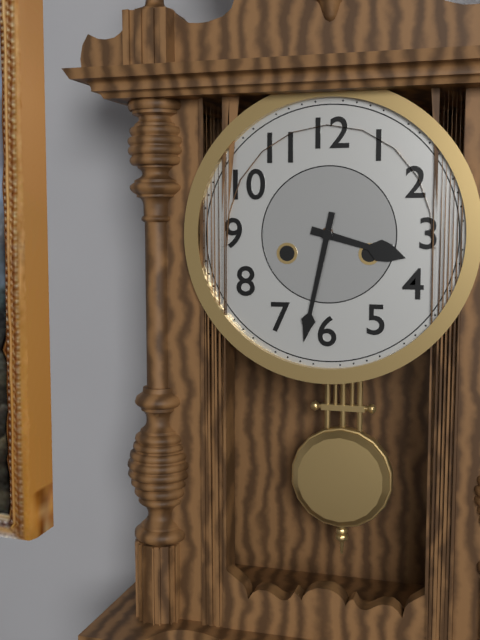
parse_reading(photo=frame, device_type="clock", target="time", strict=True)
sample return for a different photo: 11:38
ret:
3:32
